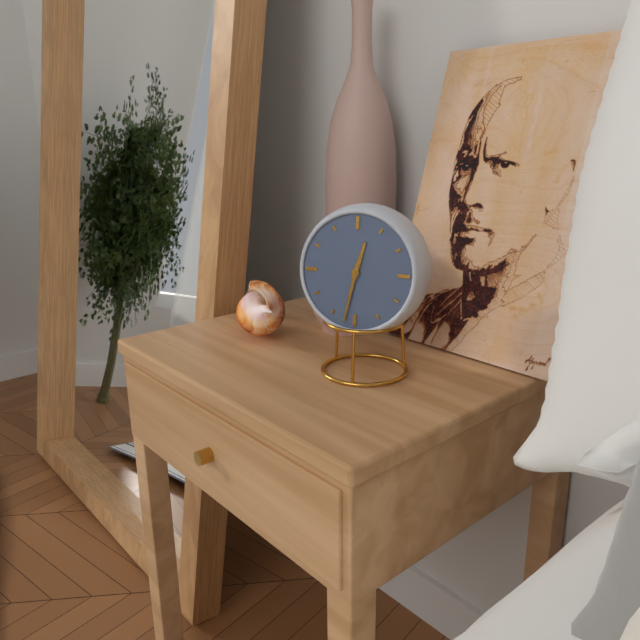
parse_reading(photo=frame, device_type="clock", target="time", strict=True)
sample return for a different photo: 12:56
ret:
12:32
